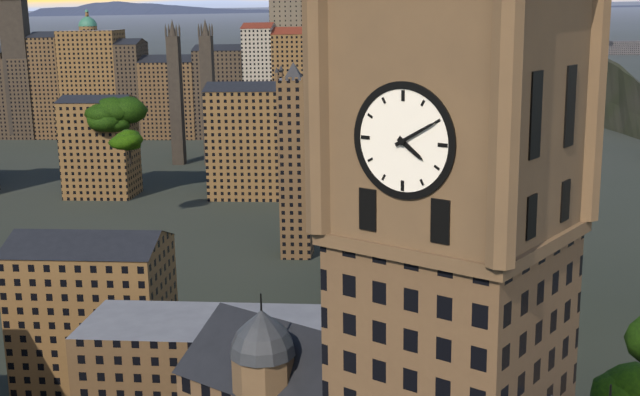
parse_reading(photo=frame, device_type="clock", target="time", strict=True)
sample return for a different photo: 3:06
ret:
4:10
